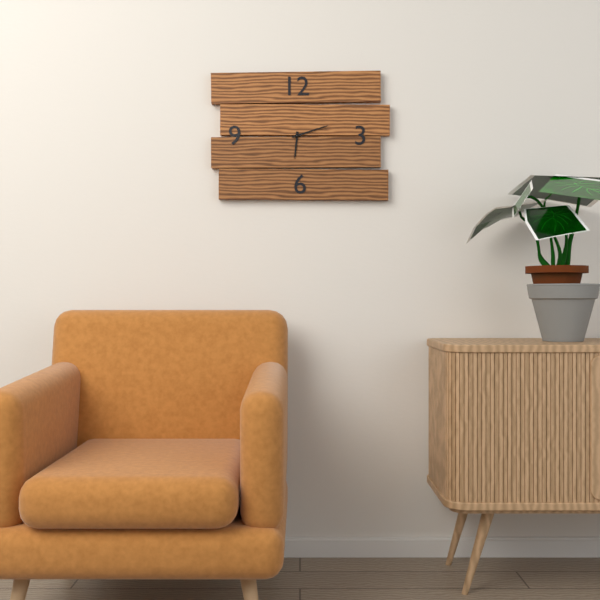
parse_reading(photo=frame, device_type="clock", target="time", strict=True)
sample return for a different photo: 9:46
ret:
6:12
